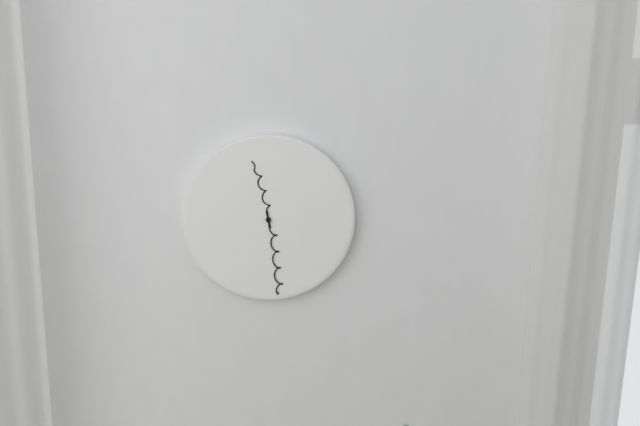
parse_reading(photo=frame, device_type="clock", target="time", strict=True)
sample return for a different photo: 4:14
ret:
11:29
